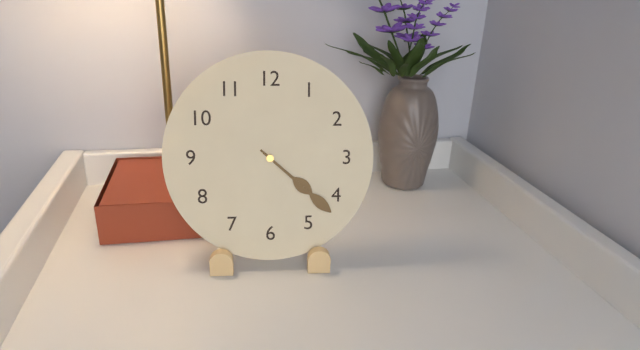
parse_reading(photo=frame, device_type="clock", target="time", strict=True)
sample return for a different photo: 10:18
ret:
4:22
